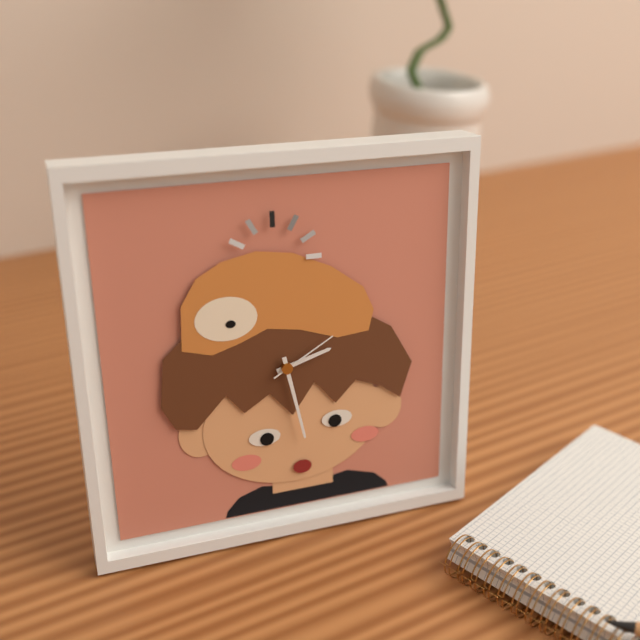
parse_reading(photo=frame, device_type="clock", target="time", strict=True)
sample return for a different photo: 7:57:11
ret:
2:28:10
